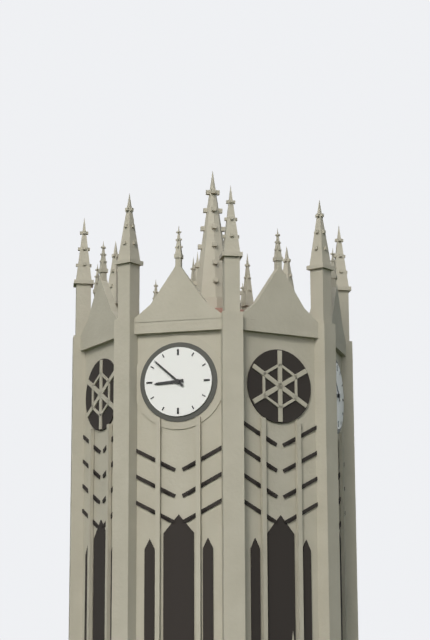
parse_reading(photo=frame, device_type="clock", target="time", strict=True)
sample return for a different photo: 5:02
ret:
8:52
